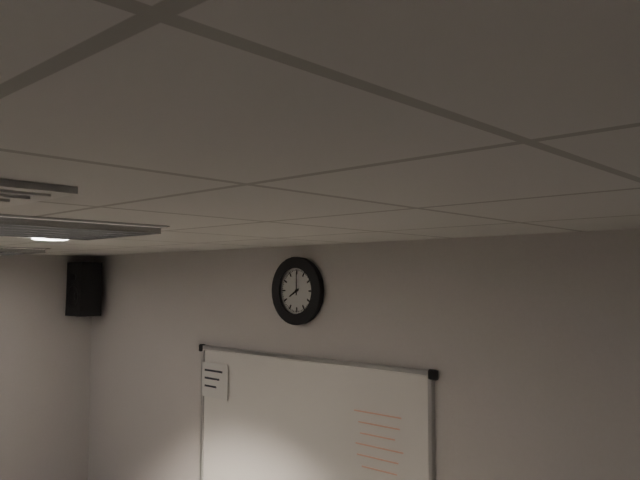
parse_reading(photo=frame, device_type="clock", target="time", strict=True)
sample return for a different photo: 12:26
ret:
8:00
